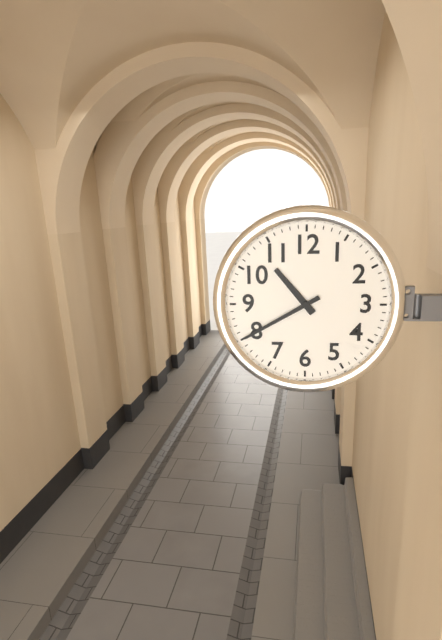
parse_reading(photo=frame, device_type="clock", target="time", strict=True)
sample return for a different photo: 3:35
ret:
10:40
